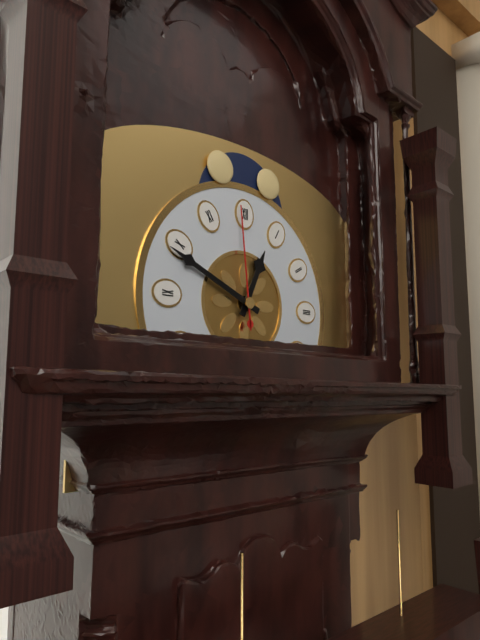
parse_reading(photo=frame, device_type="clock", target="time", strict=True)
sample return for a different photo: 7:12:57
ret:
12:49:59
